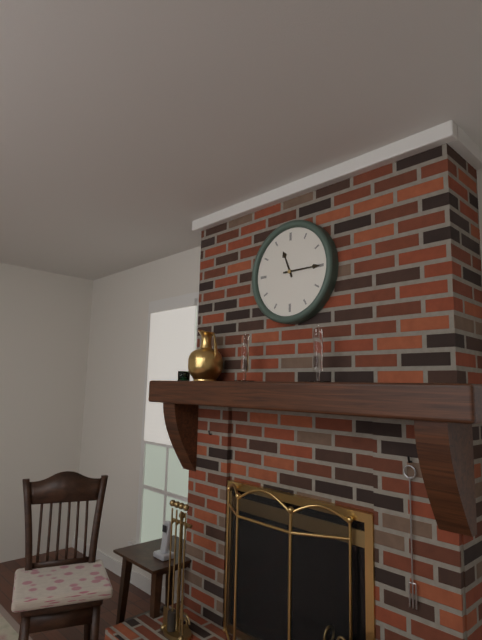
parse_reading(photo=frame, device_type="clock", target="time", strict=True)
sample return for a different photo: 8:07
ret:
11:15
